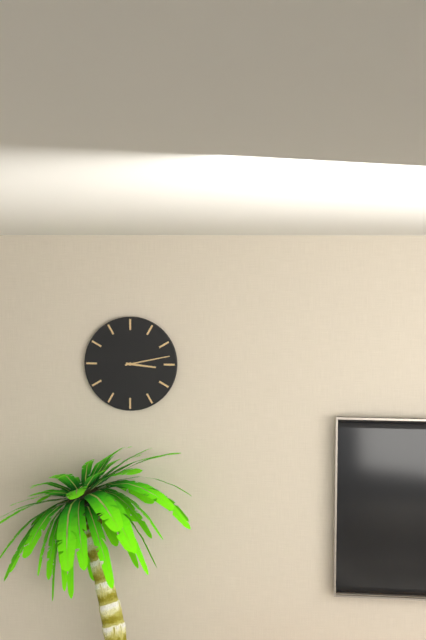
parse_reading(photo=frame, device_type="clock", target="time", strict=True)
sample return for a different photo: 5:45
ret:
3:13
